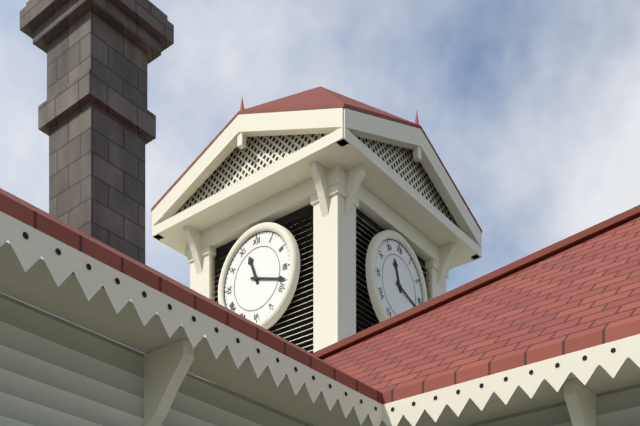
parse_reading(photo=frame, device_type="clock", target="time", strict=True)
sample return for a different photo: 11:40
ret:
11:18
